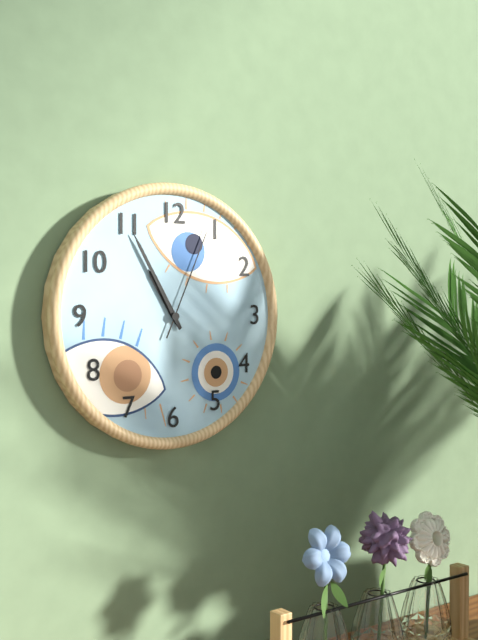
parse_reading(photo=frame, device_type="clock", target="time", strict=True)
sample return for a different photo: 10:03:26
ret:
10:55:04
